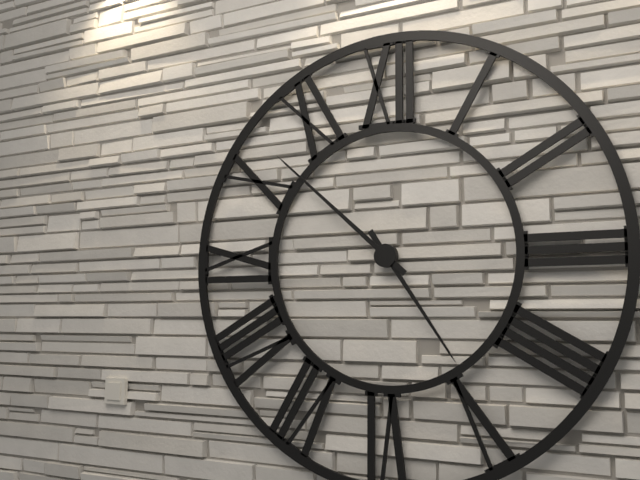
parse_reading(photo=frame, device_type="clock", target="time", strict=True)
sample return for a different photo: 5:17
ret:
4:52
